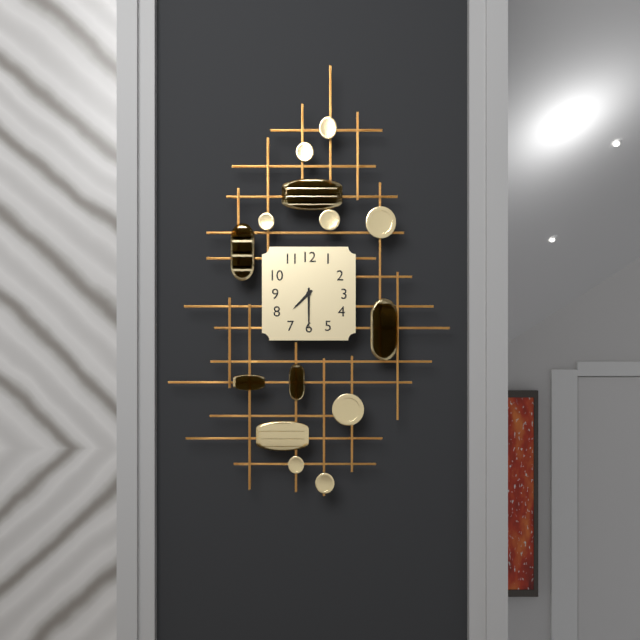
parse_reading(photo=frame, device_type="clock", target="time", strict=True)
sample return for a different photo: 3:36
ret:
7:30
